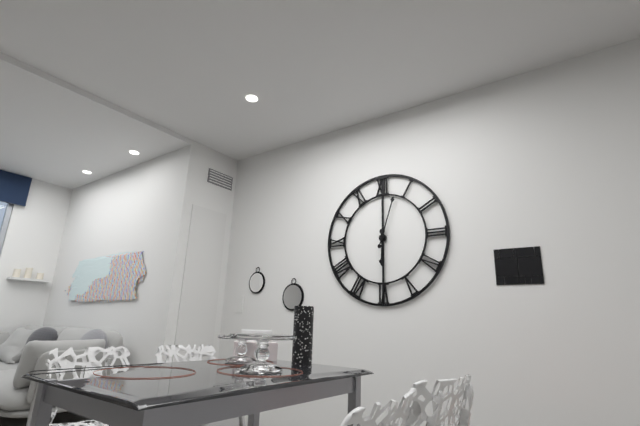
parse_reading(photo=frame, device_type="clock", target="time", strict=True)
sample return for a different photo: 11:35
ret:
6:03
